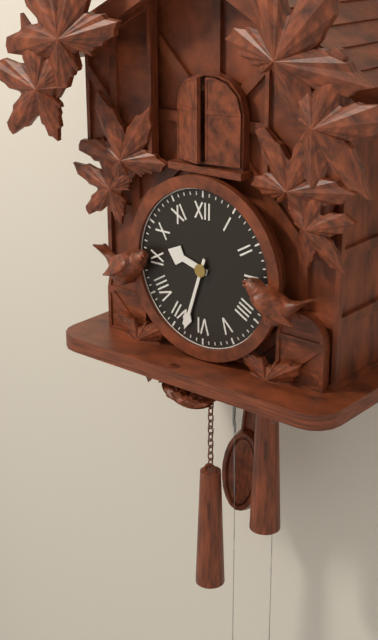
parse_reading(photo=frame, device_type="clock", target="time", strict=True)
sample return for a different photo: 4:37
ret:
9:33
